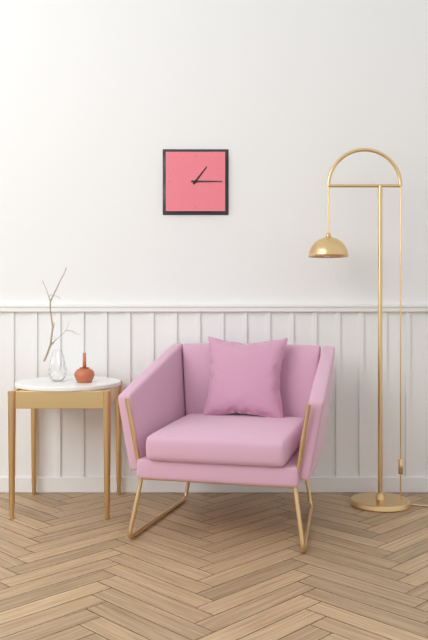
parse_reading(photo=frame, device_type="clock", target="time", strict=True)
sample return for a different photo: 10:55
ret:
1:15
